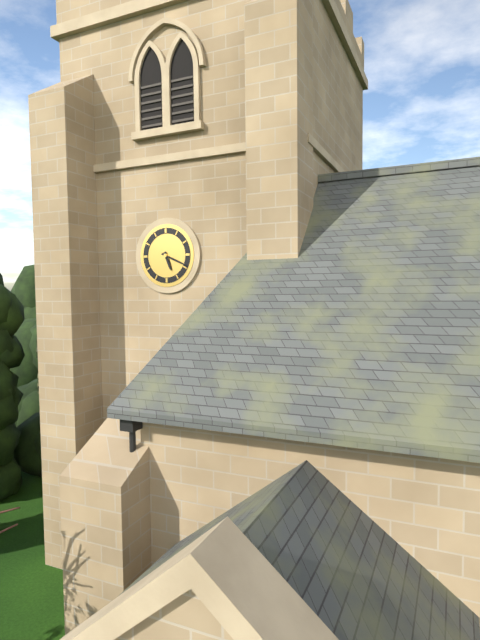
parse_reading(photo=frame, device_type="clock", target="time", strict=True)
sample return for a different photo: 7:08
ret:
5:19
